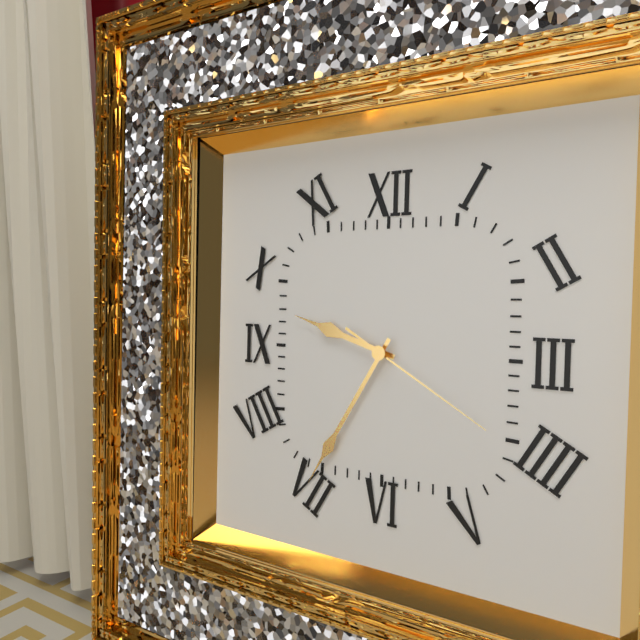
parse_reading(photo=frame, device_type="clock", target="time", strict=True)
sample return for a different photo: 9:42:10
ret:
9:35:20
